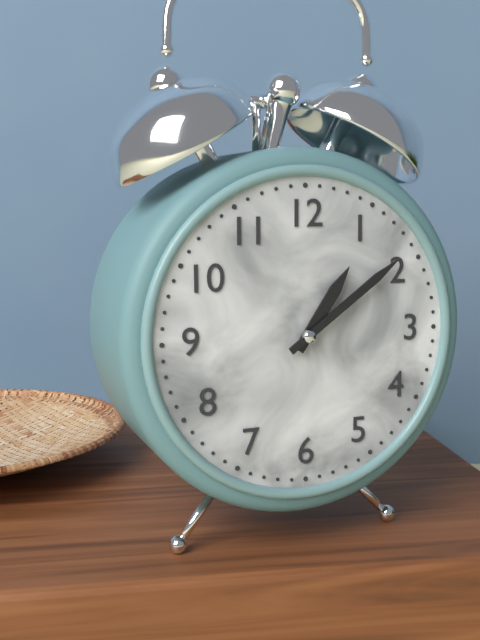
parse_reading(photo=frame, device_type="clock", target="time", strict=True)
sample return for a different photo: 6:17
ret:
1:09
